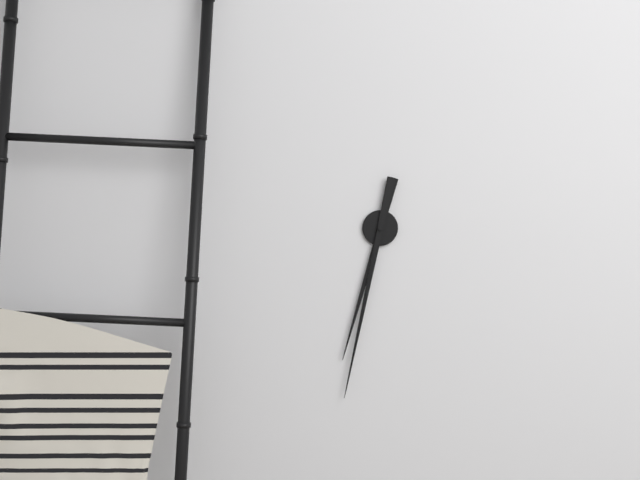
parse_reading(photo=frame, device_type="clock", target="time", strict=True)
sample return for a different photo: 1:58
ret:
6:32
